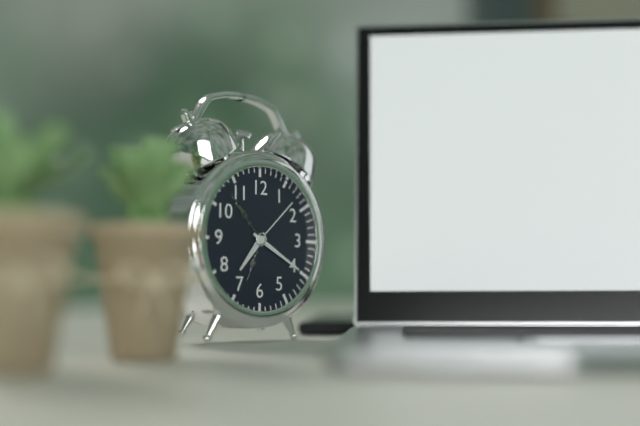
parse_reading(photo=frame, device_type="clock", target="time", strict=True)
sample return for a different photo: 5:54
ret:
7:20
